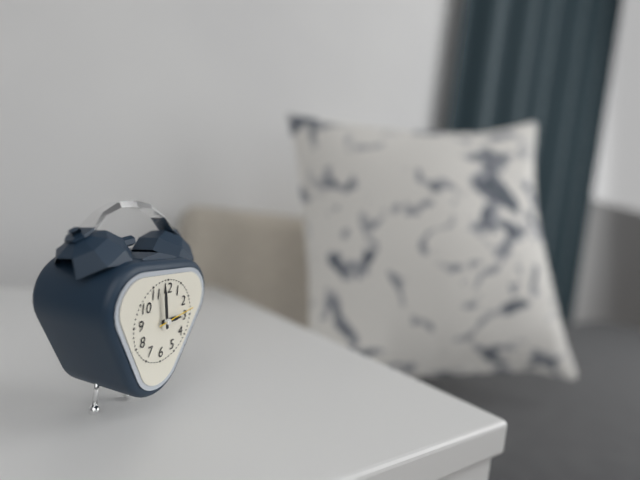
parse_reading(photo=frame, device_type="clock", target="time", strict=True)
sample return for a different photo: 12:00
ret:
2:58
